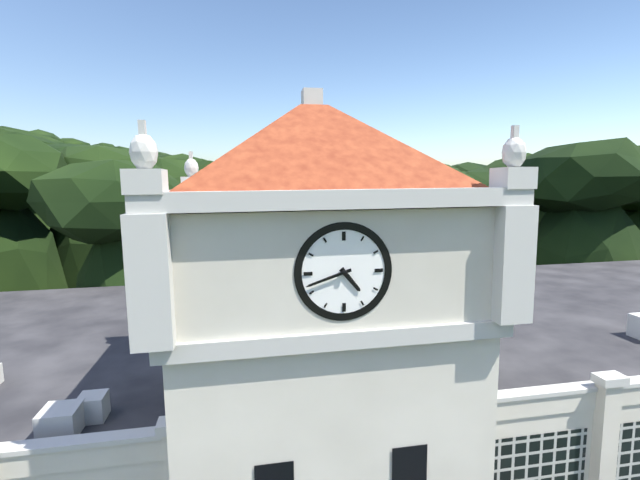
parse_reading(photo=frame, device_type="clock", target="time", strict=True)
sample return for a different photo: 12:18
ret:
4:42
